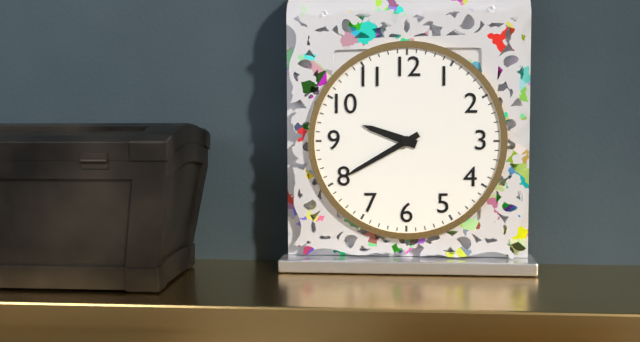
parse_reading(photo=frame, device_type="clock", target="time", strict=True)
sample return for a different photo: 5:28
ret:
9:40
